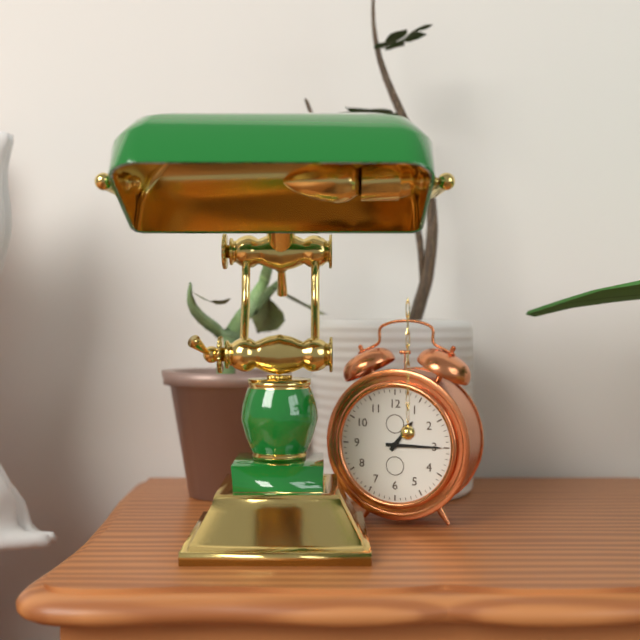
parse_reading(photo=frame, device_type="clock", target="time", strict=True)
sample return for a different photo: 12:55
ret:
1:15
